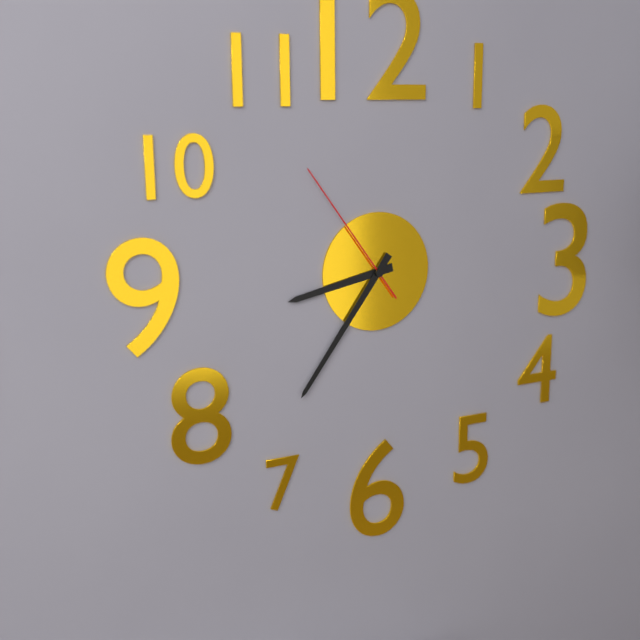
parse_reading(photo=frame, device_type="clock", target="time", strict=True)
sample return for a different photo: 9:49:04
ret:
8:36:54
